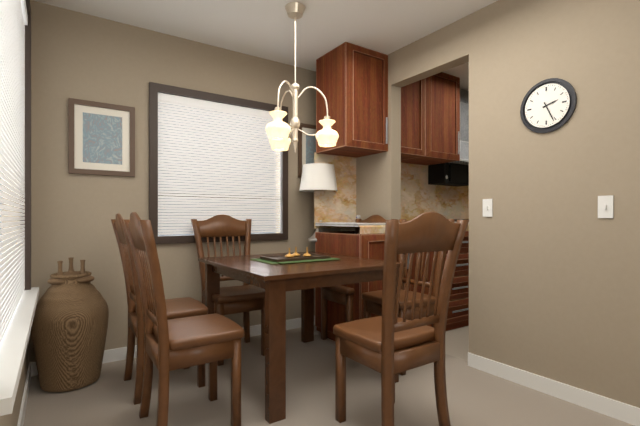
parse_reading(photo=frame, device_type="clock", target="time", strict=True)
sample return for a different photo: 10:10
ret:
2:26
